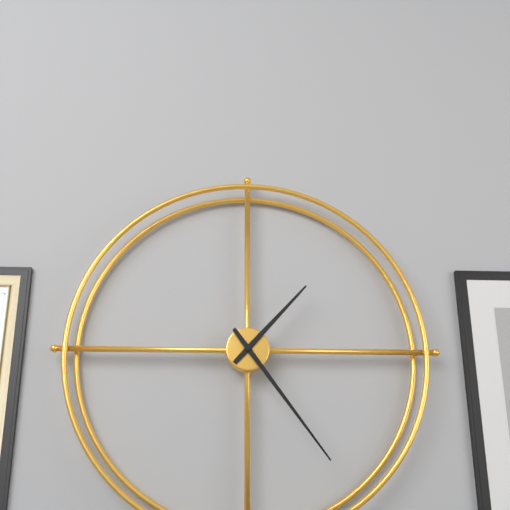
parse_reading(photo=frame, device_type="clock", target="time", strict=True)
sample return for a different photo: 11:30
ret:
1:24
